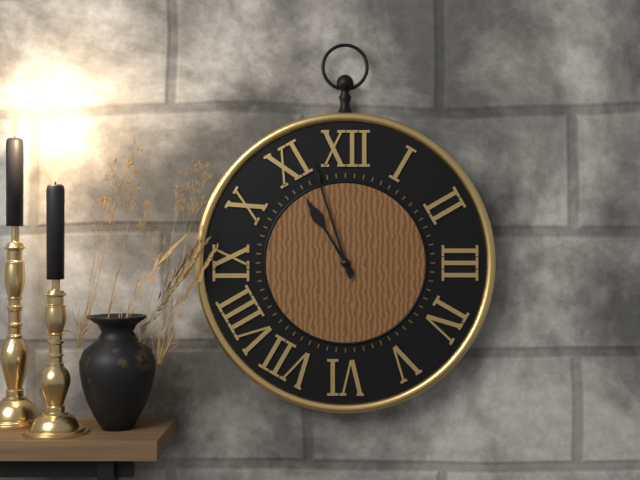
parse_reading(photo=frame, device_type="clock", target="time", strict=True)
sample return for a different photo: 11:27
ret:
10:57
